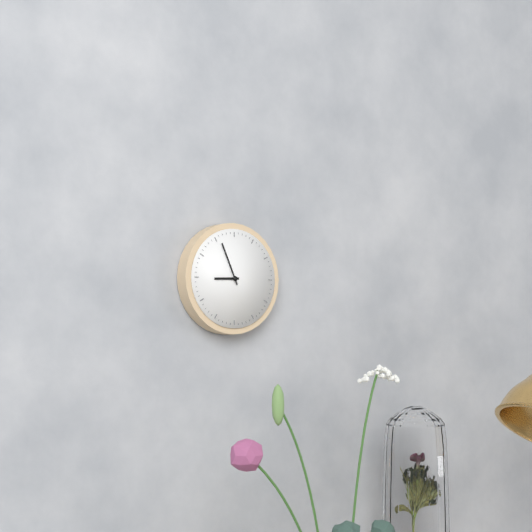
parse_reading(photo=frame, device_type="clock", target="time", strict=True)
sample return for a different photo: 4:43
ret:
8:56
